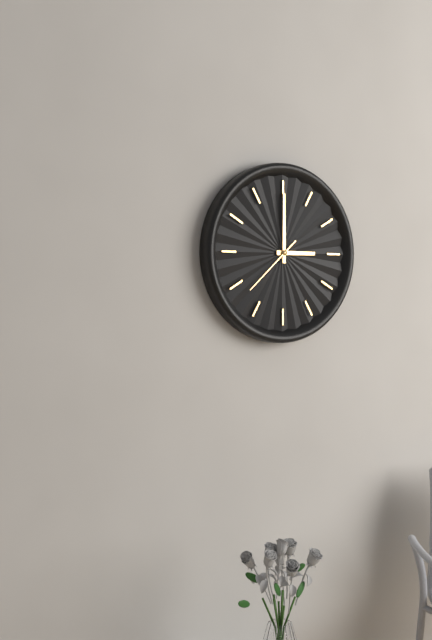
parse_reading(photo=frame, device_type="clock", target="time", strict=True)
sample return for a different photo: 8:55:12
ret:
3:00:38
